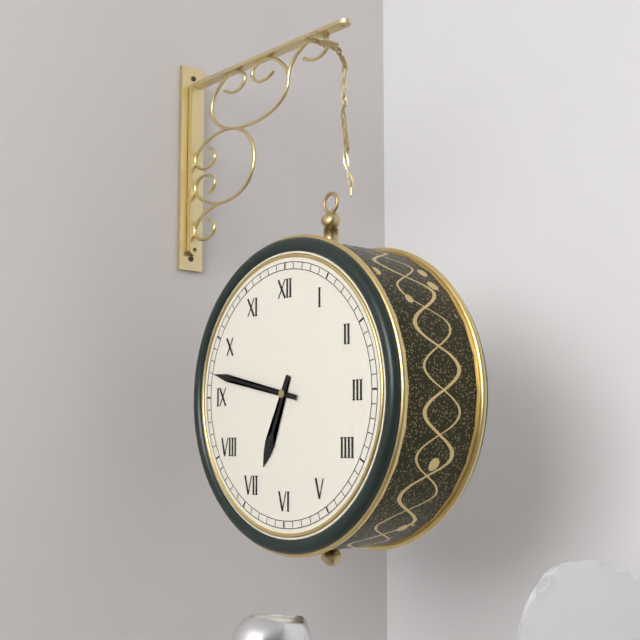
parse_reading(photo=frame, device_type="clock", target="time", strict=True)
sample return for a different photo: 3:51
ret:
6:47
